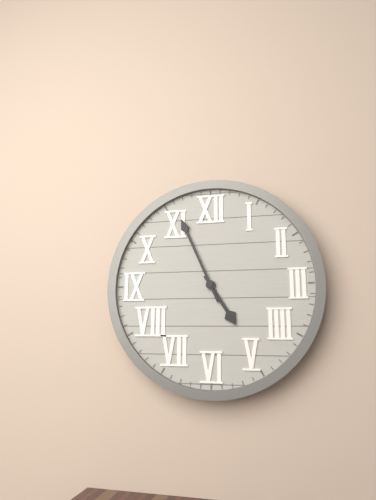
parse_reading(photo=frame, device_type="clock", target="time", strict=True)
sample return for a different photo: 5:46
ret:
4:56
